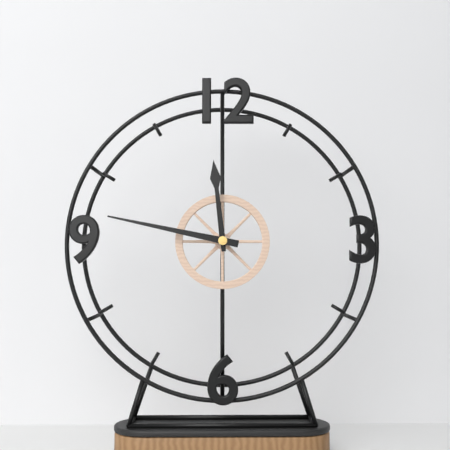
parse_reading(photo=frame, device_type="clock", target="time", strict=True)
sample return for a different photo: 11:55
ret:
11:47
